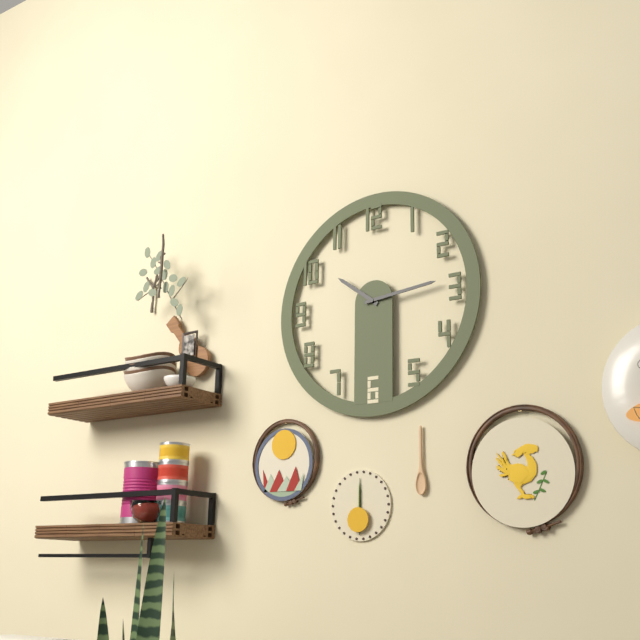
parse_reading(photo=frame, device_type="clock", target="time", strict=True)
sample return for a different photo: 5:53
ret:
10:14
